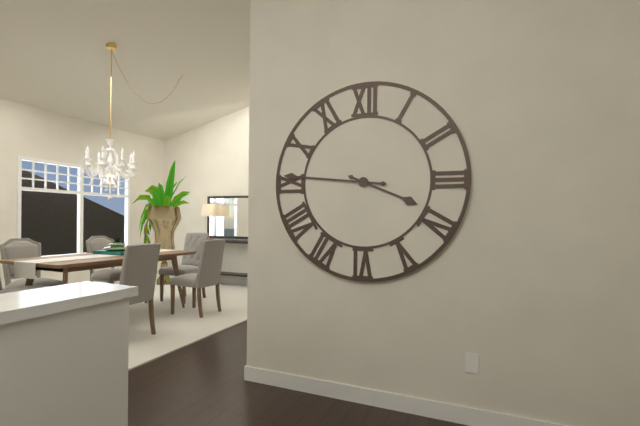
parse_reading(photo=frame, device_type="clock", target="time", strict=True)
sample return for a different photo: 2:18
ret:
3:46
